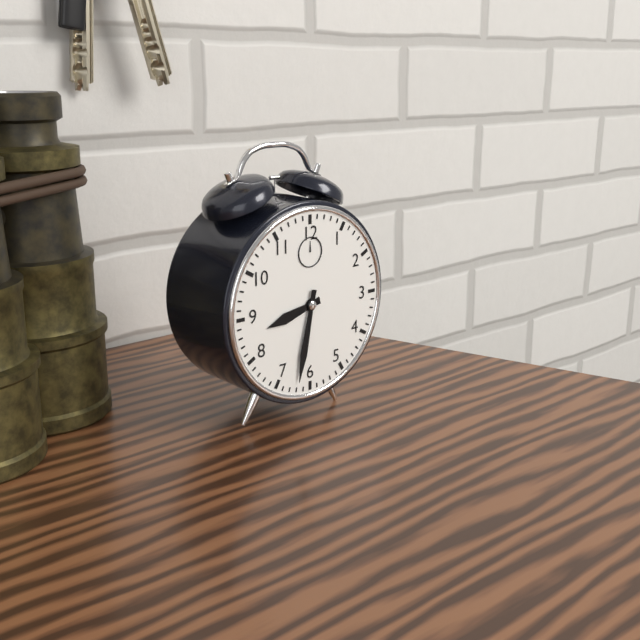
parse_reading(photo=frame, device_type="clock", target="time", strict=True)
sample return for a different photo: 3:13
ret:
8:32
